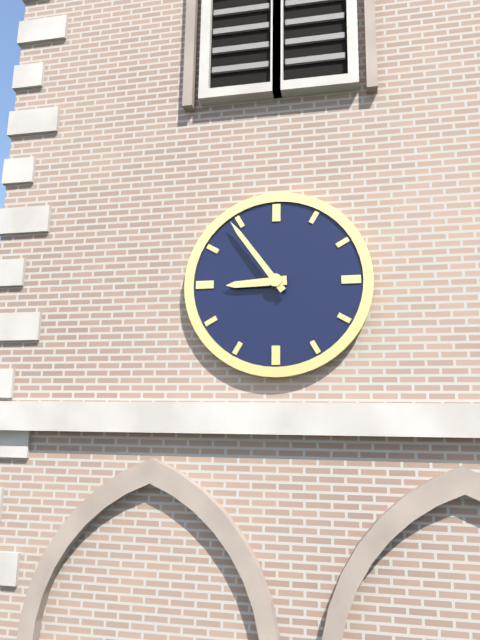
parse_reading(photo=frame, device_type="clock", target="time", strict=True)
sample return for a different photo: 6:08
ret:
8:54
